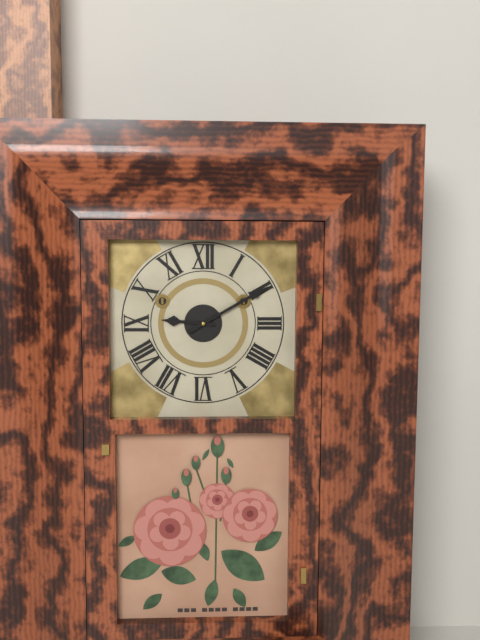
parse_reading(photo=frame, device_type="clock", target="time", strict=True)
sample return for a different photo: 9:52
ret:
9:10
